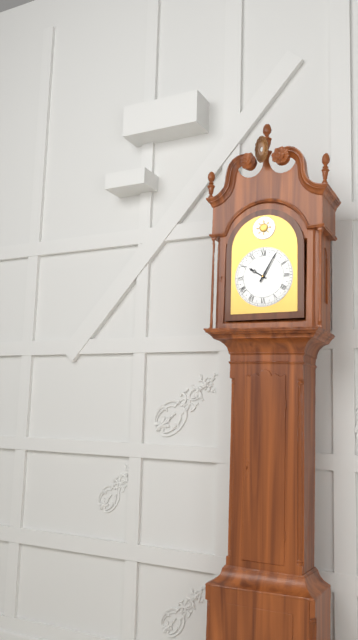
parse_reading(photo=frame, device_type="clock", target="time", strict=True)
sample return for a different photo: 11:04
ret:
10:05
